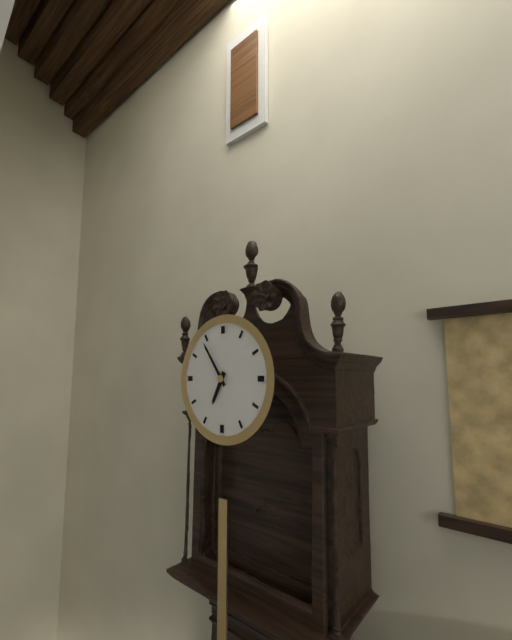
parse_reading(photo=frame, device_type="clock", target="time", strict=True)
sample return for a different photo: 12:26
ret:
6:54
